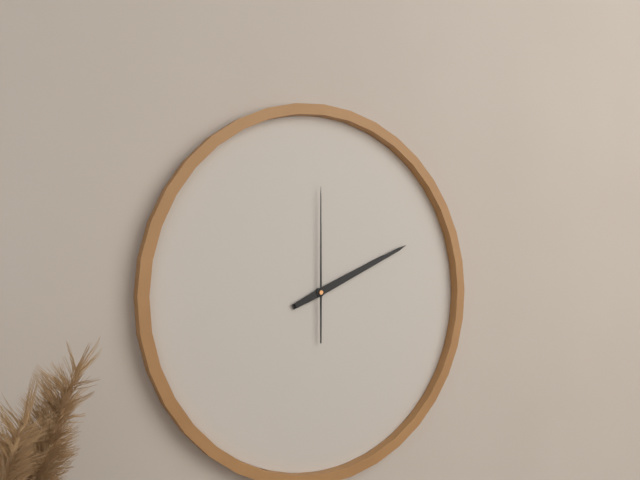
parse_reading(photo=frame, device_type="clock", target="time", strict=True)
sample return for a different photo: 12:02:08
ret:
2:11:00
